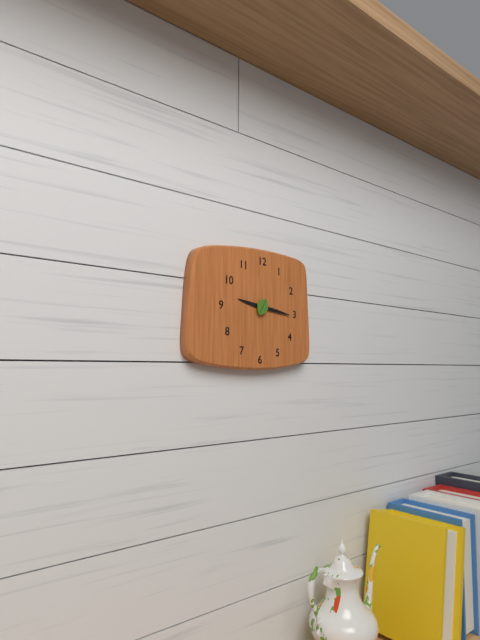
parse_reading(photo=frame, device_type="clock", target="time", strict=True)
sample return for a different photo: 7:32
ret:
9:16
